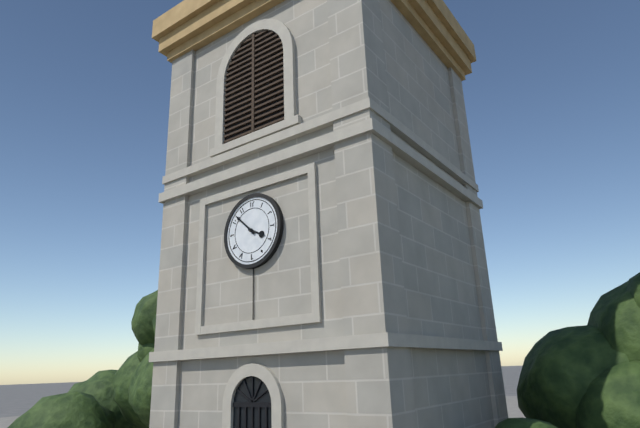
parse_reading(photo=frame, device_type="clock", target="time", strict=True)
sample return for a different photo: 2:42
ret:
3:52
